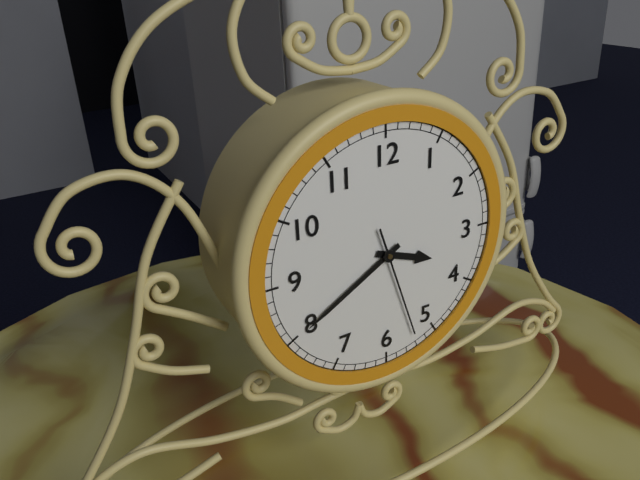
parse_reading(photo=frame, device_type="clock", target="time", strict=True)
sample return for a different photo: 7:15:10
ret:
3:40:27
